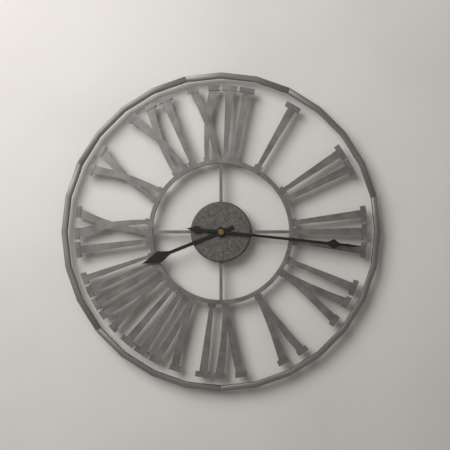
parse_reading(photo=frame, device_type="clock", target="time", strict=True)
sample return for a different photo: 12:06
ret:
8:16
